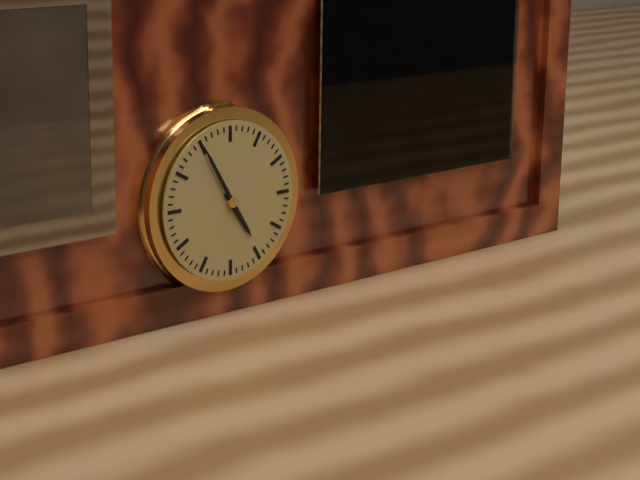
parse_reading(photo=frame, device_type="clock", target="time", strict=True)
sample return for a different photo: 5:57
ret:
4:55
